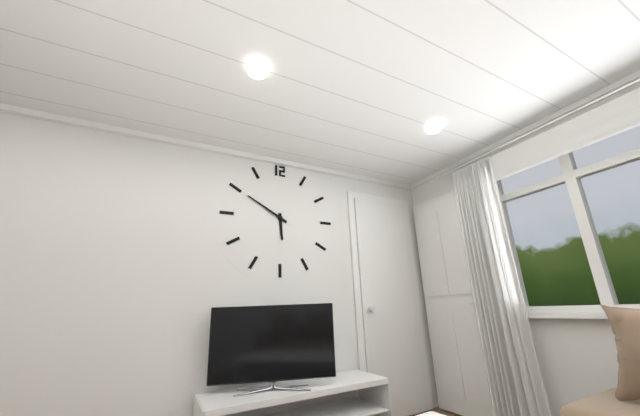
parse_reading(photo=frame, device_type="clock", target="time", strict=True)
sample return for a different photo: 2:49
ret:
5:50
